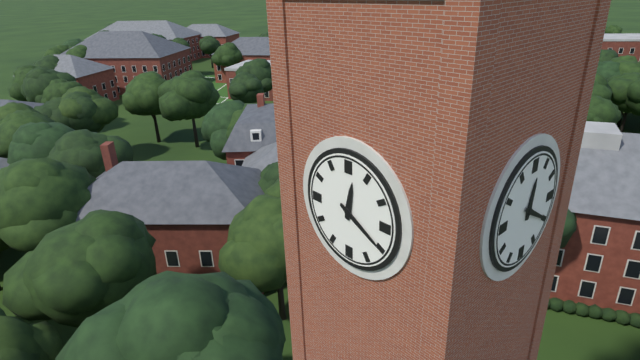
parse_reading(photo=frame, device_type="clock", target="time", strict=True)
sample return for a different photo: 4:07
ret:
12:20
